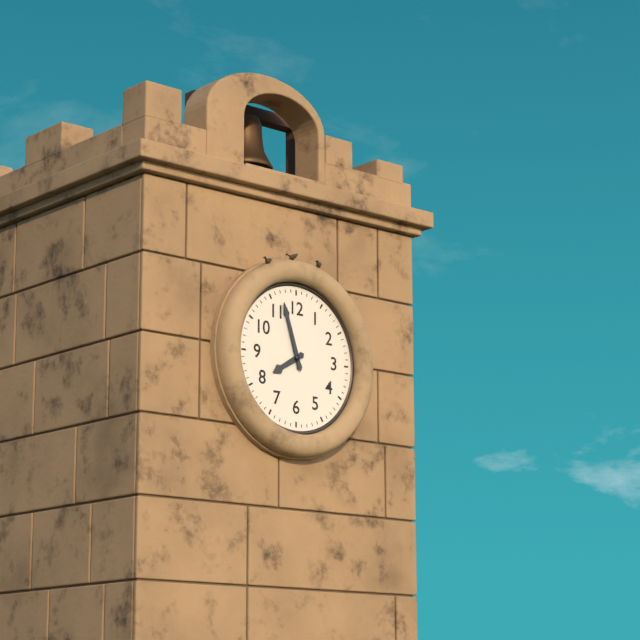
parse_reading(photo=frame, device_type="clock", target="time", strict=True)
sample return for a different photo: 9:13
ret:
7:57
